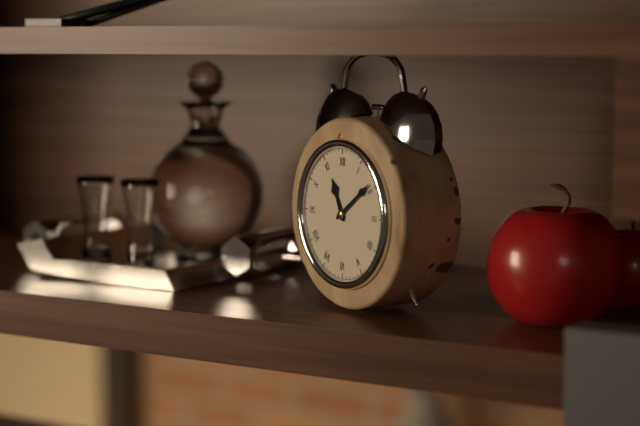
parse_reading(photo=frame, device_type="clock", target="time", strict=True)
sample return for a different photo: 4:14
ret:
11:09
